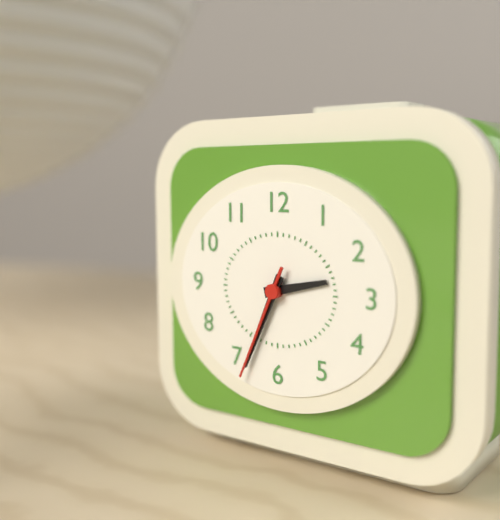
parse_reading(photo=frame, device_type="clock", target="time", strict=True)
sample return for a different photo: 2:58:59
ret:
2:34:34
